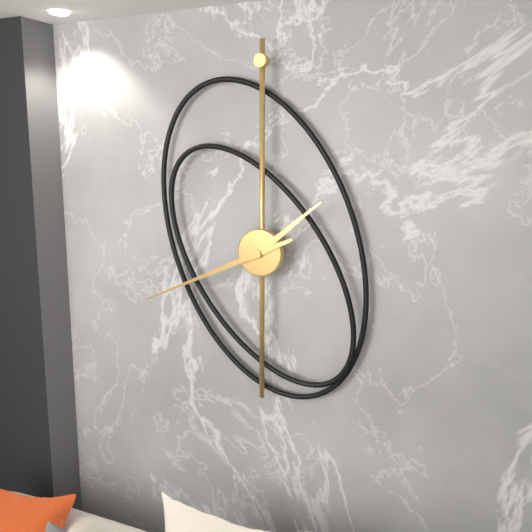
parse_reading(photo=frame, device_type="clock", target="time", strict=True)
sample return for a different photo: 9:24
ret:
1:41
